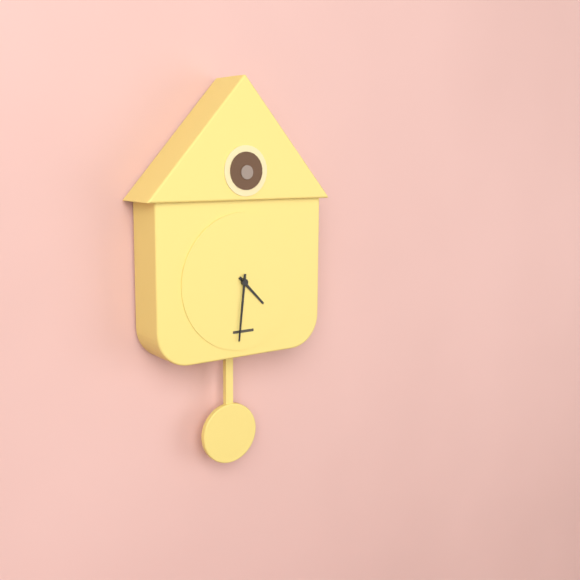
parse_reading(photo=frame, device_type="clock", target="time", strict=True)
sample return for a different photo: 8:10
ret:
4:31
